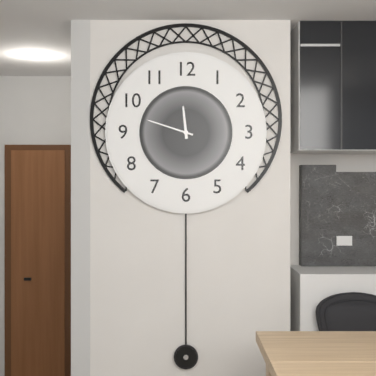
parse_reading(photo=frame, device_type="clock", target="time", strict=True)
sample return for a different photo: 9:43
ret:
11:48
